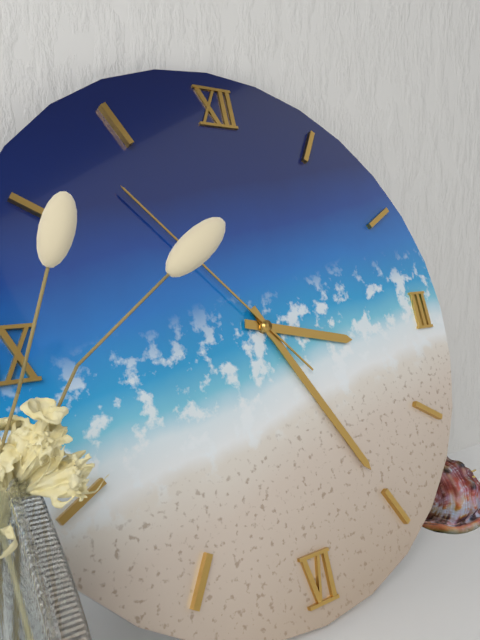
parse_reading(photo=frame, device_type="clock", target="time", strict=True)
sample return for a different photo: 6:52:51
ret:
3:25:53
